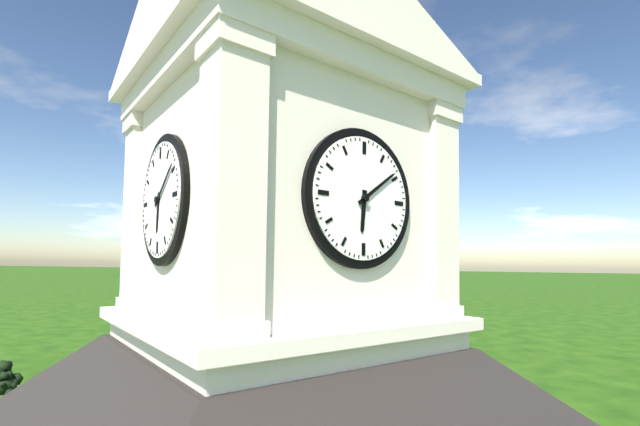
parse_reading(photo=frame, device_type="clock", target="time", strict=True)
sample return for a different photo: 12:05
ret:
6:09
